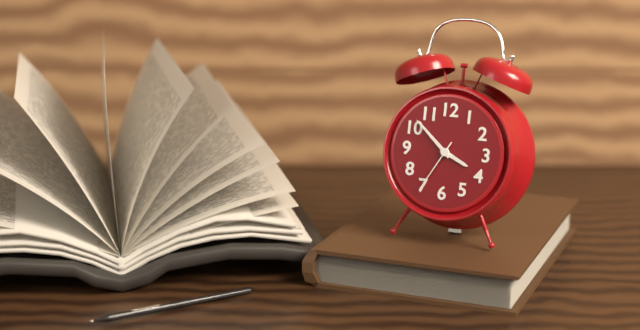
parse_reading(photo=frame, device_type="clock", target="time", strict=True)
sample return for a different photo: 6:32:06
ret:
3:52:35
